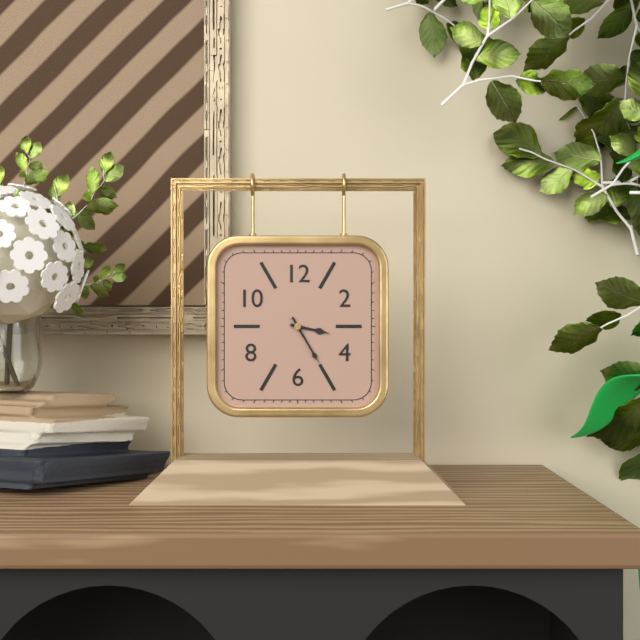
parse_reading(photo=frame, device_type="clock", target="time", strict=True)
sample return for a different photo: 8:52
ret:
3:25
